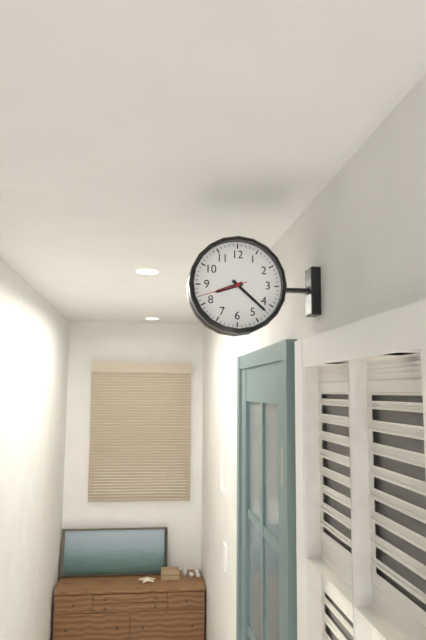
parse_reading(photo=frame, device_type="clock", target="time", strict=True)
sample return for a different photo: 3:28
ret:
8:22
